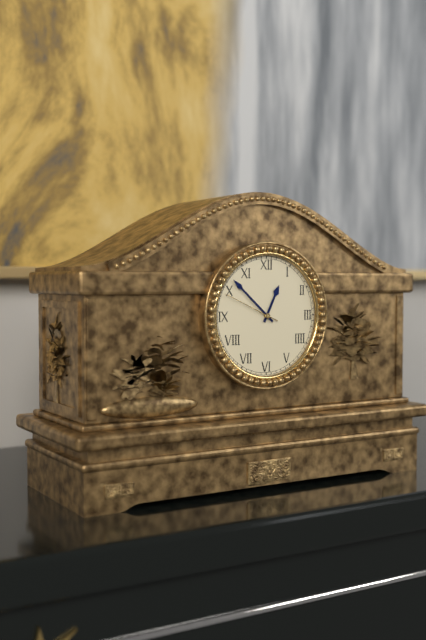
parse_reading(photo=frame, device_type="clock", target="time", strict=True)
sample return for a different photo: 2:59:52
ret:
12:52:49
